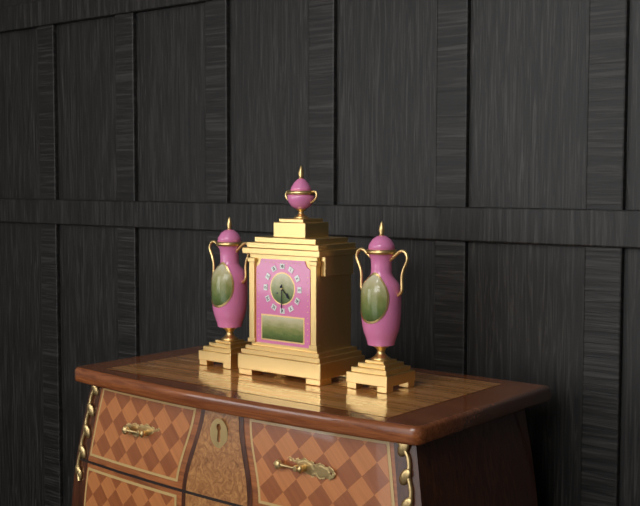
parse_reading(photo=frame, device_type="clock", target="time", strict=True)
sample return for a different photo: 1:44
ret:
4:30
